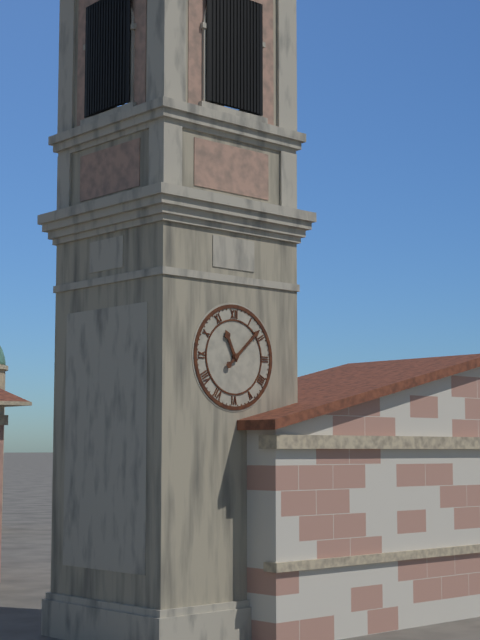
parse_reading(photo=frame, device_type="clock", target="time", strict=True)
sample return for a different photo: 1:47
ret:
11:08
